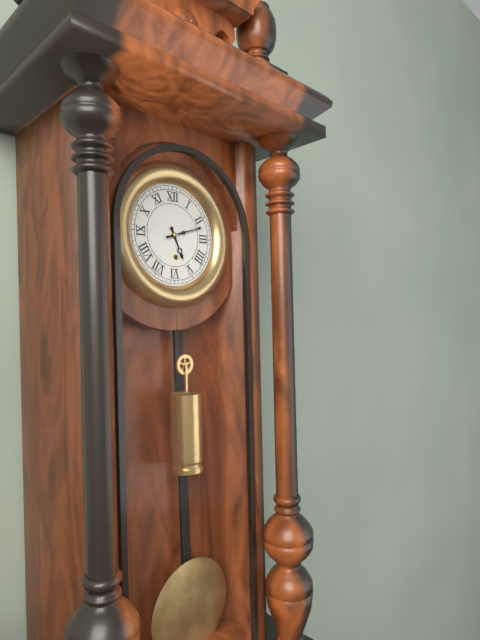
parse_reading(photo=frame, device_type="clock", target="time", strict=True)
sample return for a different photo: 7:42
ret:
5:12
